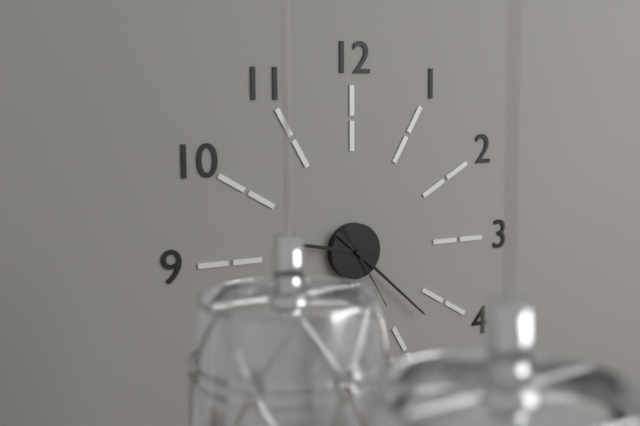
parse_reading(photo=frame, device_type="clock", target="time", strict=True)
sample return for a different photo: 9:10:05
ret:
9:22:25
